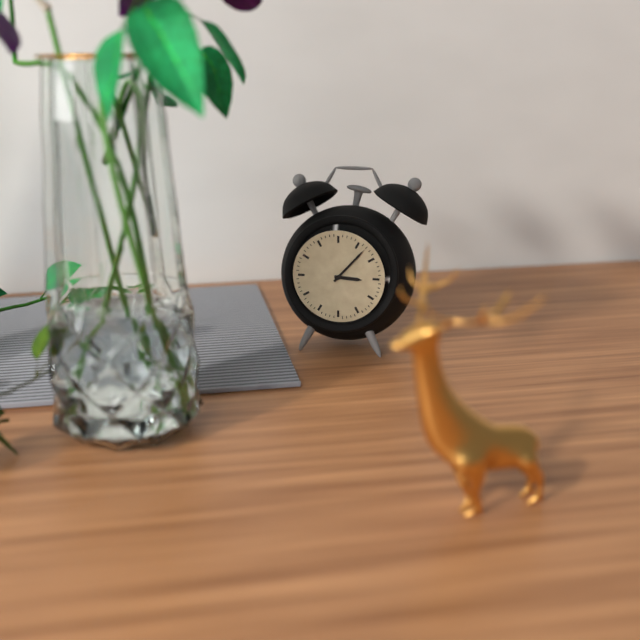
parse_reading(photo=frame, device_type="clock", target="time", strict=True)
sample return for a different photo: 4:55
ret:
3:07
